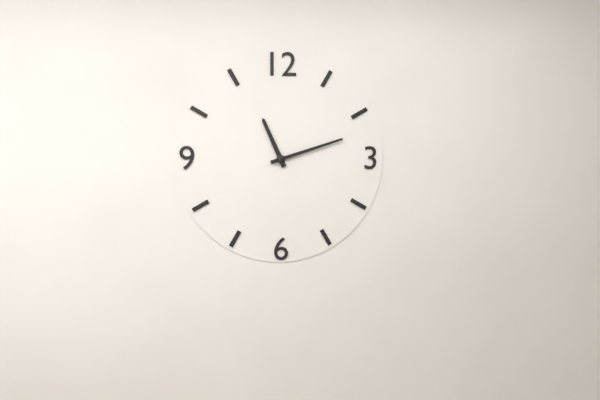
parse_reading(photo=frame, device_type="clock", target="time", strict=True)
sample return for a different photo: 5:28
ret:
11:12
